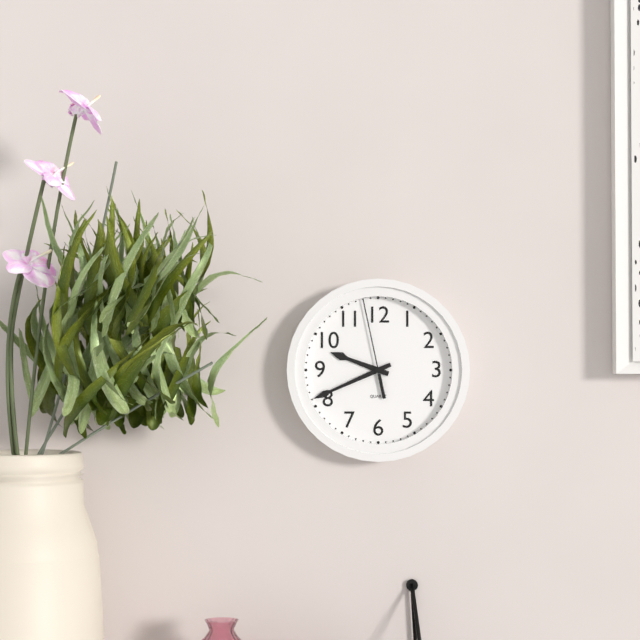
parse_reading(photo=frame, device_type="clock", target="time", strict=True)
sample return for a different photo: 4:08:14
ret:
9:41:58
